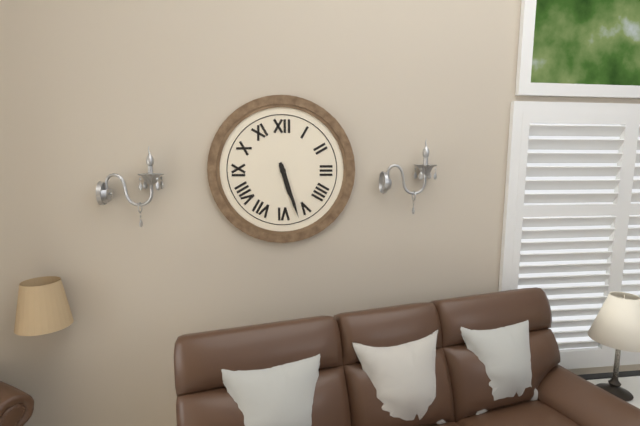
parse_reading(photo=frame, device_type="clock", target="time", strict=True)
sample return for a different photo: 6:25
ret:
5:27
